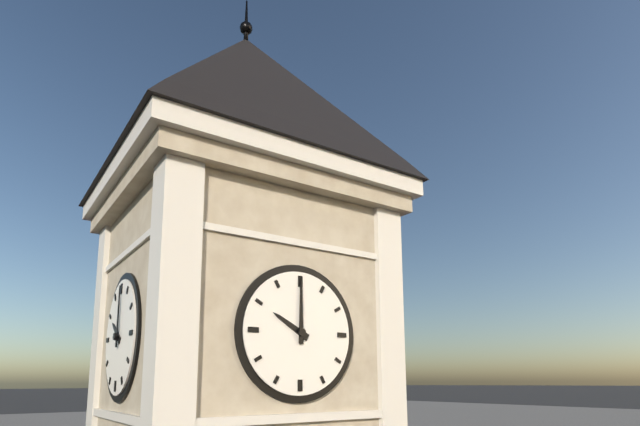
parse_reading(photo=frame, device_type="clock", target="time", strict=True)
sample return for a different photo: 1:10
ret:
10:00
